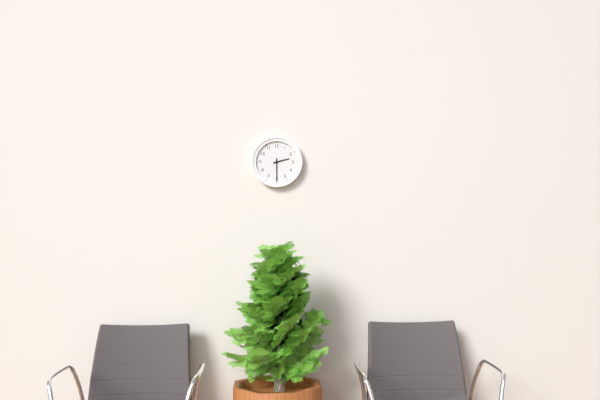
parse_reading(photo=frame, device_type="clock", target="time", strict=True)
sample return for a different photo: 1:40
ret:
2:30
